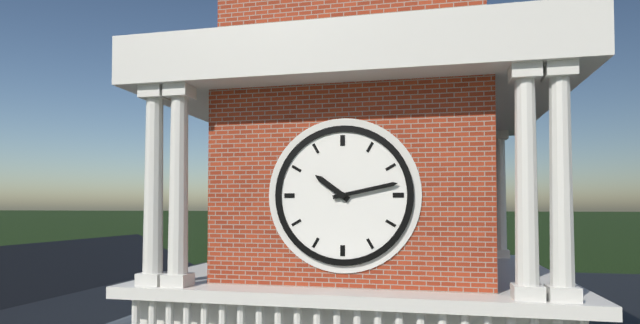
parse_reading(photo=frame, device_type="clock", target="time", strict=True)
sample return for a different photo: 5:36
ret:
10:13
